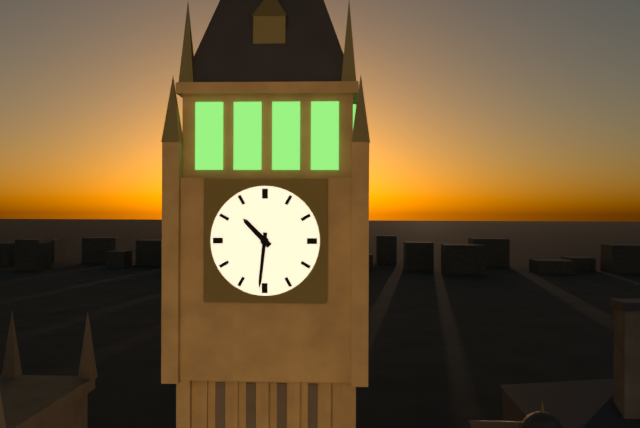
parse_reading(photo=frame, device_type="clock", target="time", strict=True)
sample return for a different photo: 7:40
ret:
10:31
